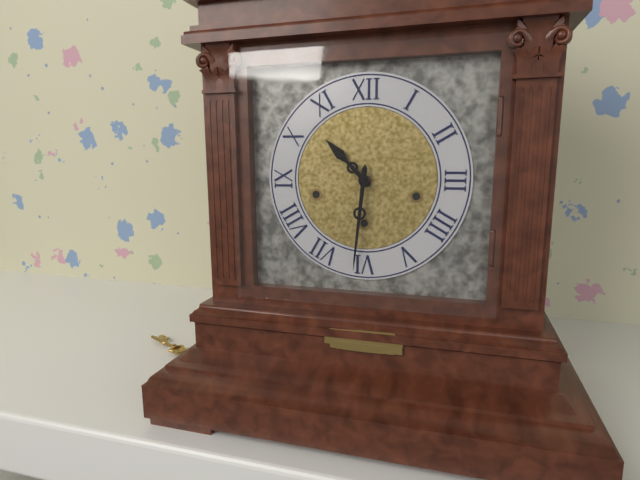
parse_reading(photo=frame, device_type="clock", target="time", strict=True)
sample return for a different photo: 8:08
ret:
10:31
